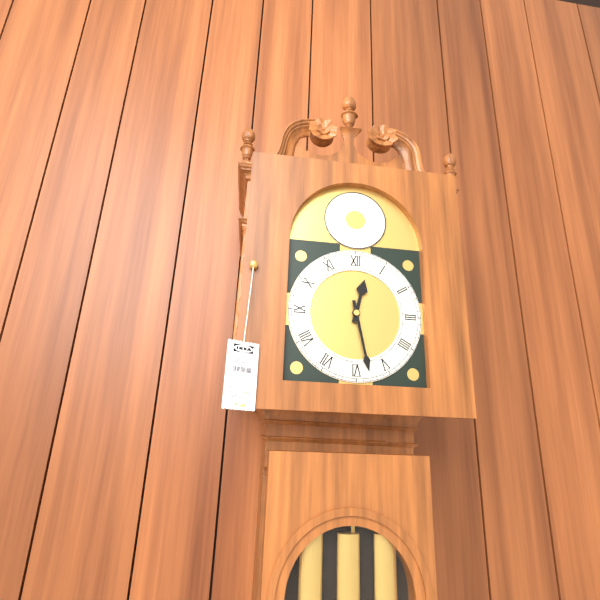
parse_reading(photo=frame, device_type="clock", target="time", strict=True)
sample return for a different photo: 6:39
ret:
12:28
